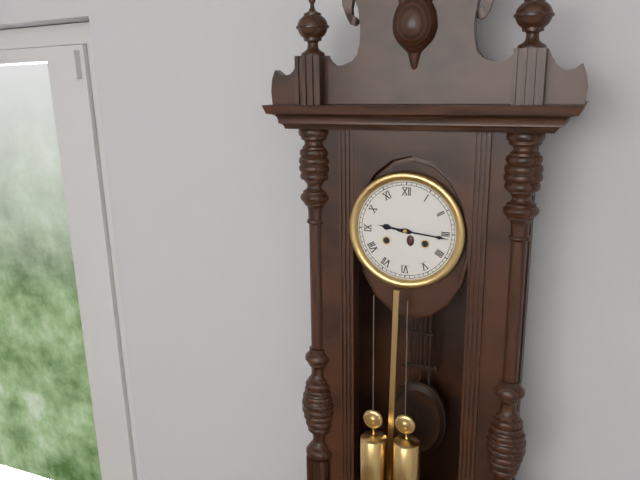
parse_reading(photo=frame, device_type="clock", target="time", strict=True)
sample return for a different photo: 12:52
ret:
9:16
